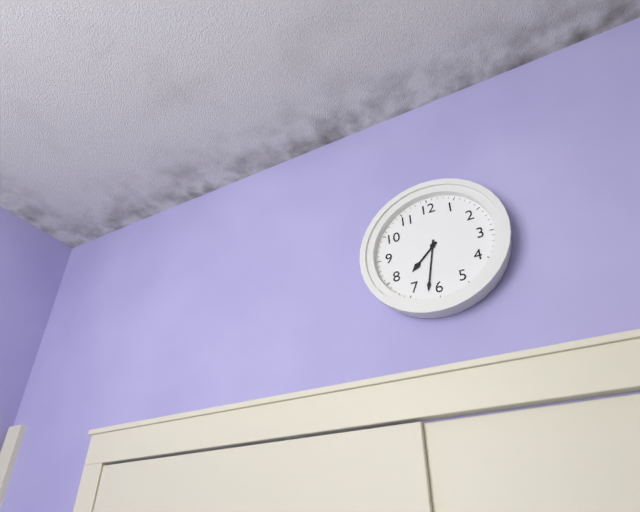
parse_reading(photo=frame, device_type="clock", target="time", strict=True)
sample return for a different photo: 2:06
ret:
7:32
